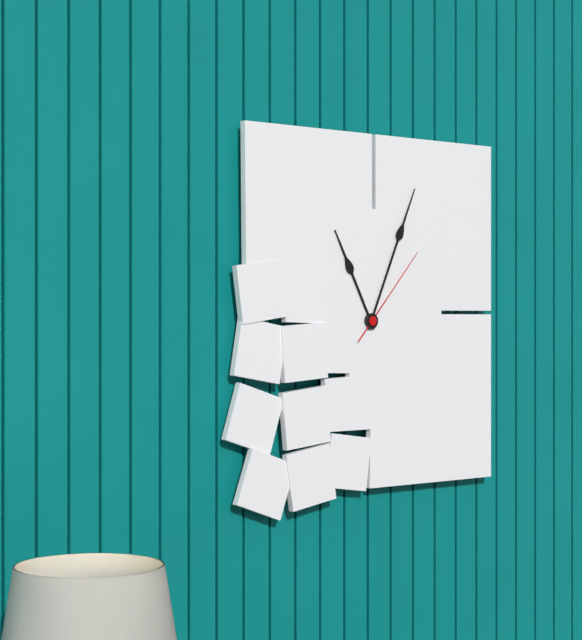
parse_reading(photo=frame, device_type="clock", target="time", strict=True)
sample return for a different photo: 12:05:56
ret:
11:04:07
